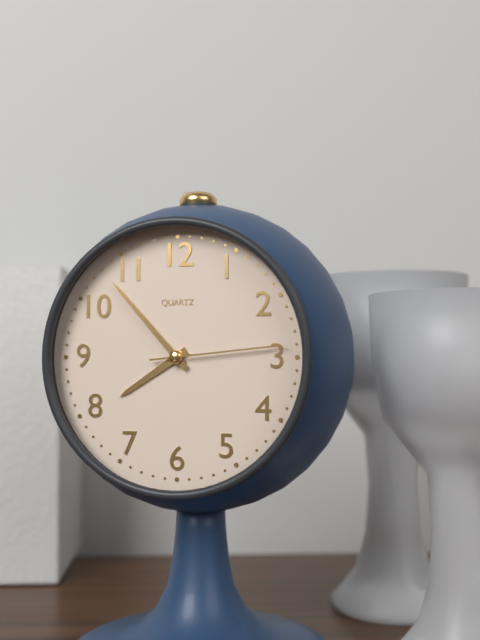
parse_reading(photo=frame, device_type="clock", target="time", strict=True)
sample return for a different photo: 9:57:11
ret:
7:53:14
